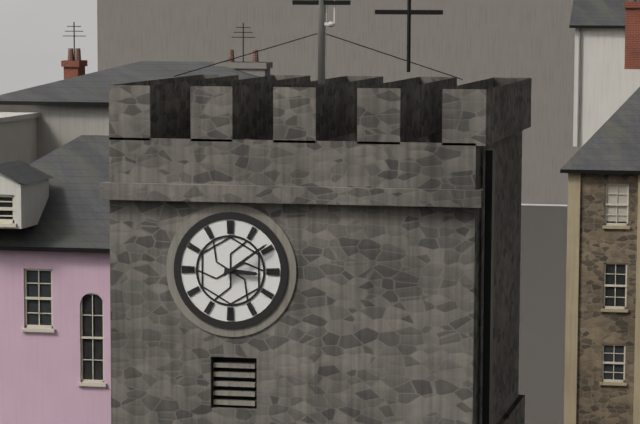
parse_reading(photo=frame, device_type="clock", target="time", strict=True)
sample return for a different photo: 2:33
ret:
3:09
